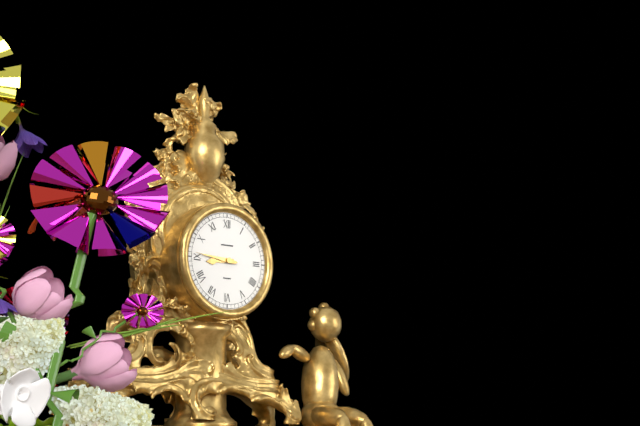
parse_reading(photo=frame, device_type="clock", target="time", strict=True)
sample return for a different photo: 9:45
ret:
8:46
